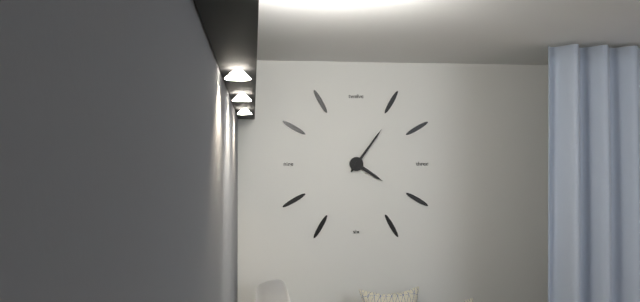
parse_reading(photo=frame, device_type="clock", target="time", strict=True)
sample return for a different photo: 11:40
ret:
4:06
